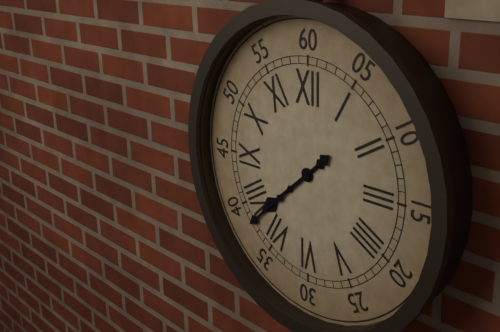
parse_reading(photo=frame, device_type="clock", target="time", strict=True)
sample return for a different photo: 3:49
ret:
7:38
